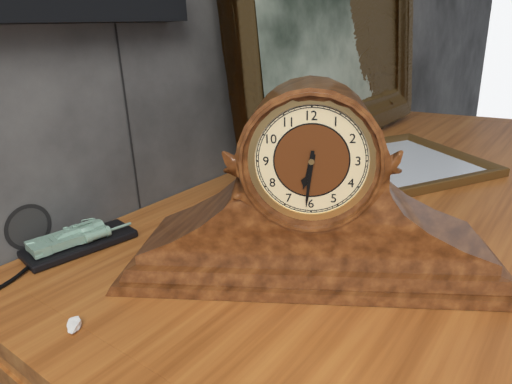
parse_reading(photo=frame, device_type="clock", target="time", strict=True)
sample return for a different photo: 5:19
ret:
6:31
